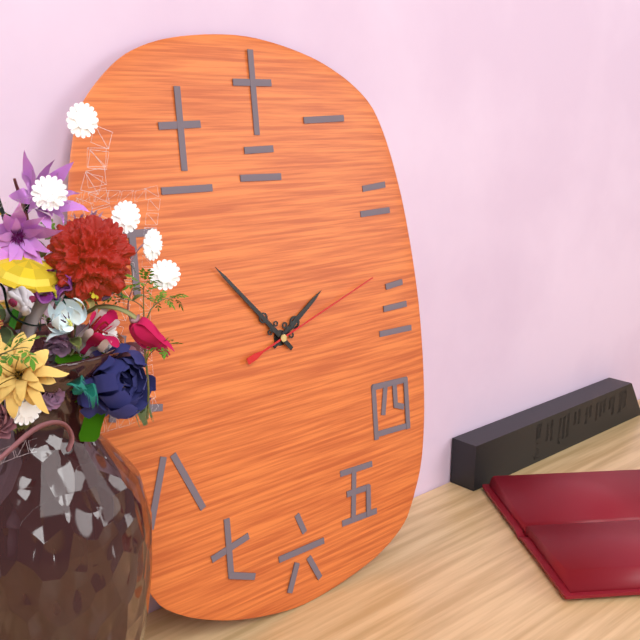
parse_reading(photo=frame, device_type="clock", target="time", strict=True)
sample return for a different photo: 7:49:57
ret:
1:53:12
